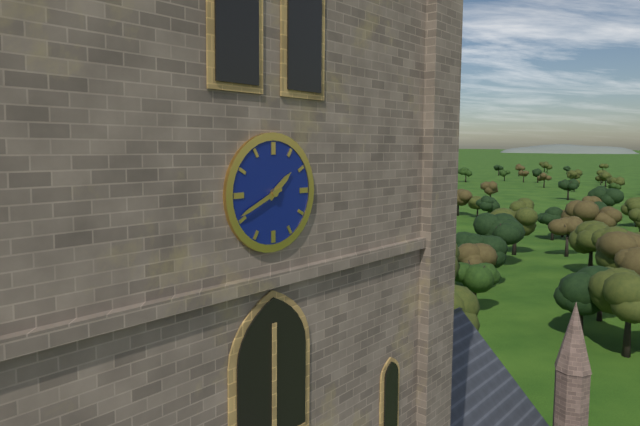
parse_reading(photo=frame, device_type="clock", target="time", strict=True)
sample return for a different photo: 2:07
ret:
1:41
